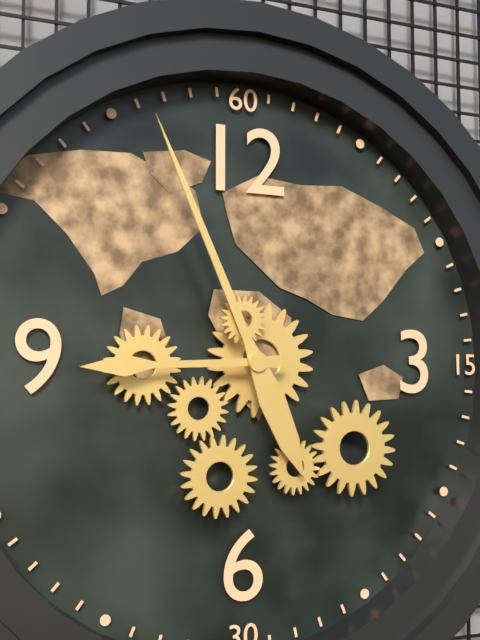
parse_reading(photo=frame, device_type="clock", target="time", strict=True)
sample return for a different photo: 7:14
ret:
8:56
